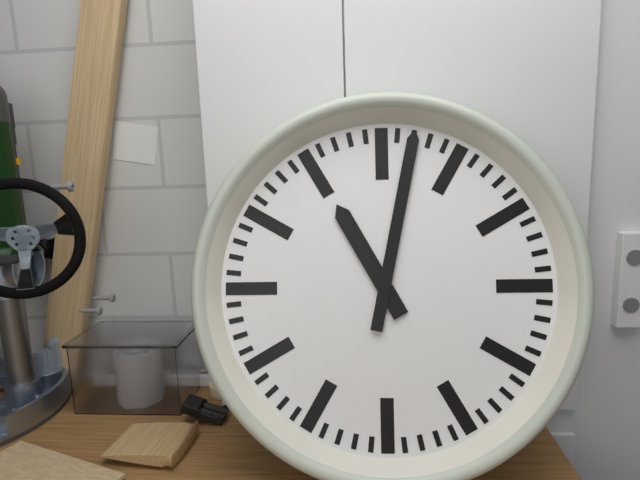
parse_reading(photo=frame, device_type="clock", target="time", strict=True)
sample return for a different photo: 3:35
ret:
11:02
